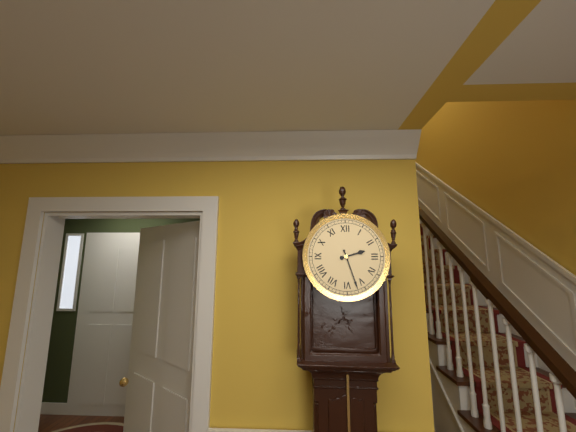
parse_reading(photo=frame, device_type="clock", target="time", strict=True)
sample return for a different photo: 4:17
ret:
2:27
